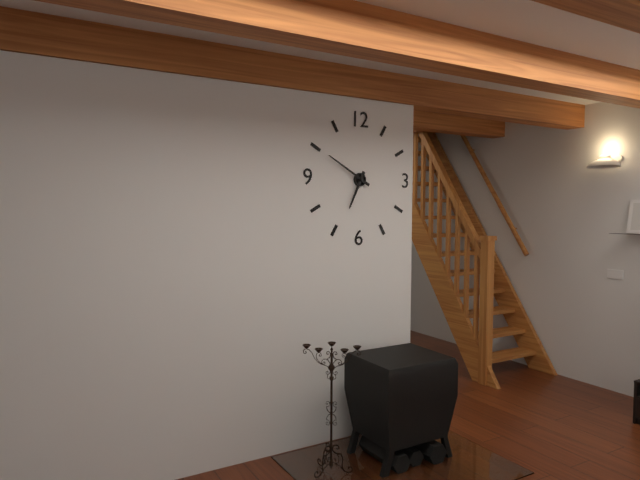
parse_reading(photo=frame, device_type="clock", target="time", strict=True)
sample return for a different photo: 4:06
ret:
6:50
